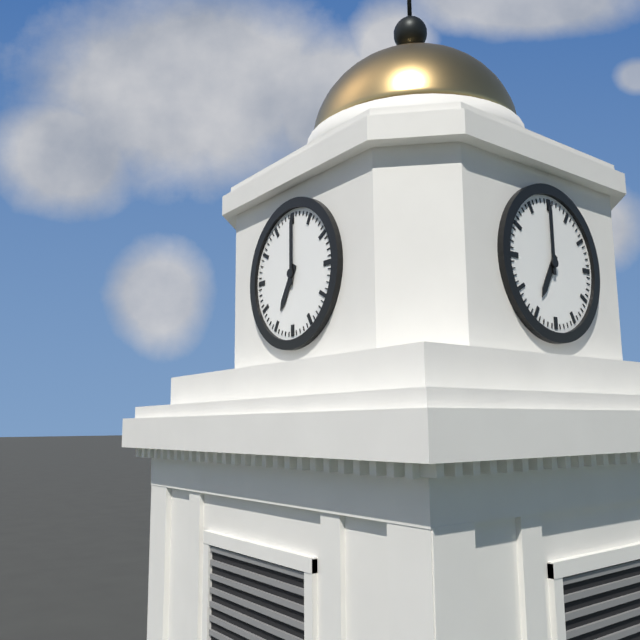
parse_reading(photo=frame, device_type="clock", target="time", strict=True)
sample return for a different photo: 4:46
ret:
7:00
